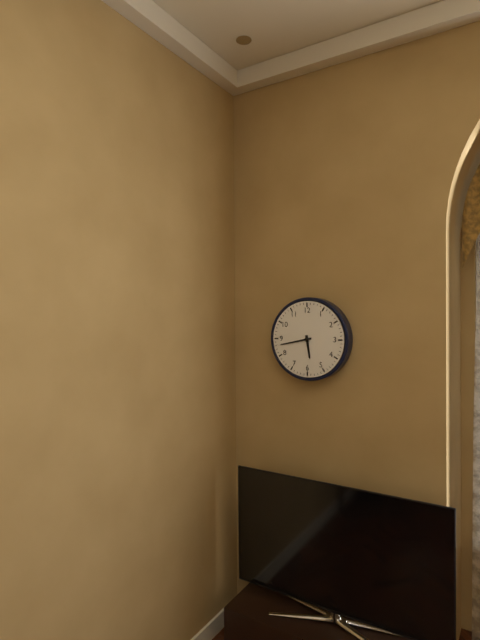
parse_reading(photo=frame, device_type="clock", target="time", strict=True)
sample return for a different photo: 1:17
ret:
5:43
